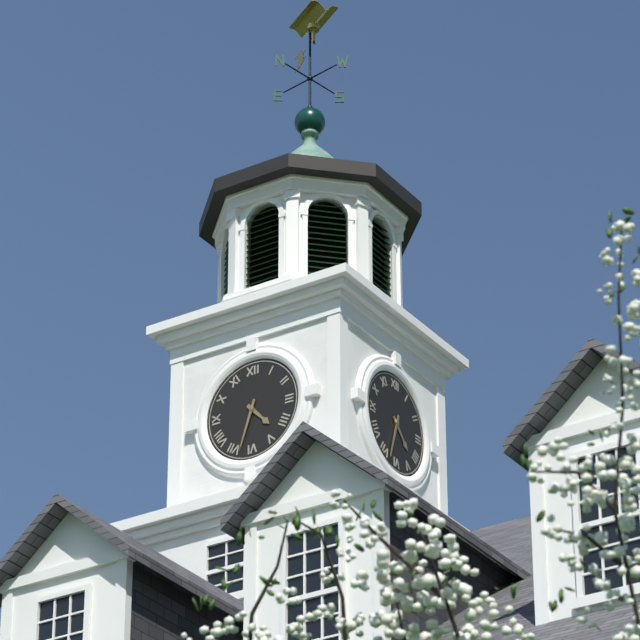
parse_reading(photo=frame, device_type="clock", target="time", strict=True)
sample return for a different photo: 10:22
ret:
4:33
